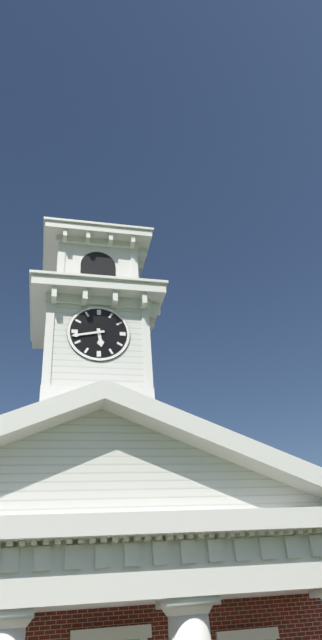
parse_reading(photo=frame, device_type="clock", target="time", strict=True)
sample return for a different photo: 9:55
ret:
5:43
